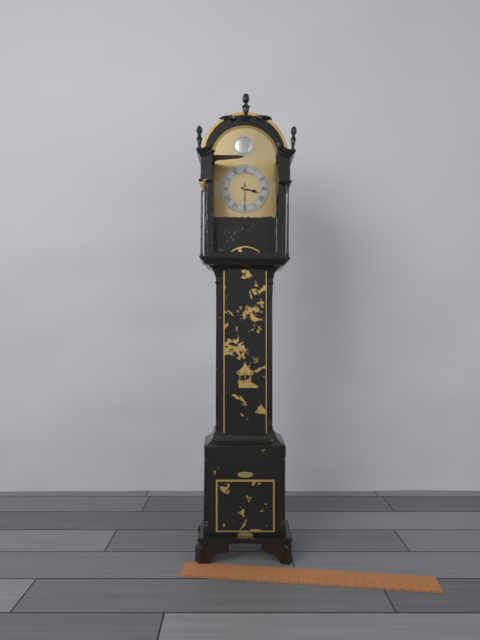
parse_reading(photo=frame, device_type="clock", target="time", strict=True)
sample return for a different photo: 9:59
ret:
3:30
